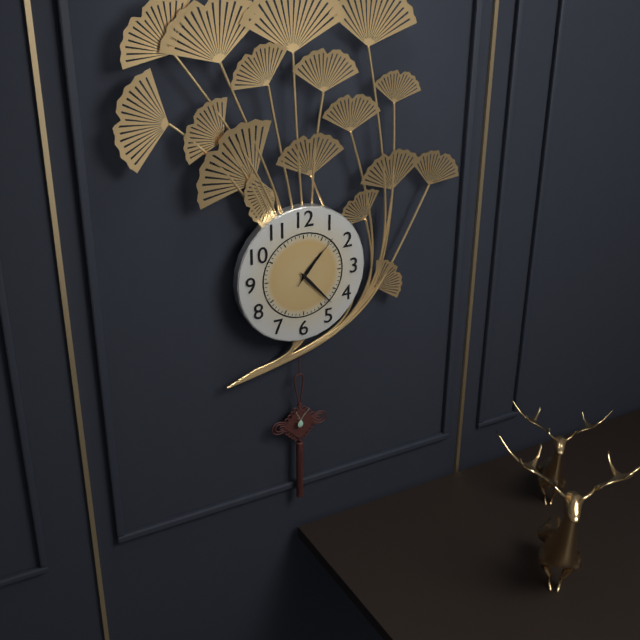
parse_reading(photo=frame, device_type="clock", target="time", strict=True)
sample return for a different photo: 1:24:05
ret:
1:23:07
